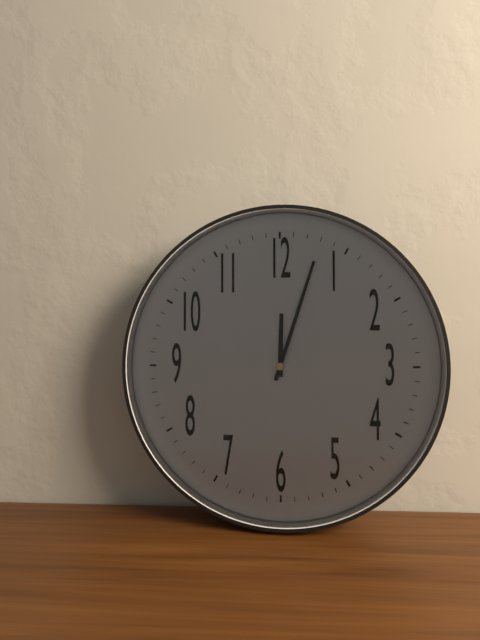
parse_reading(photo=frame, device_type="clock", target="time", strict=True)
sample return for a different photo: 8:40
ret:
12:03
